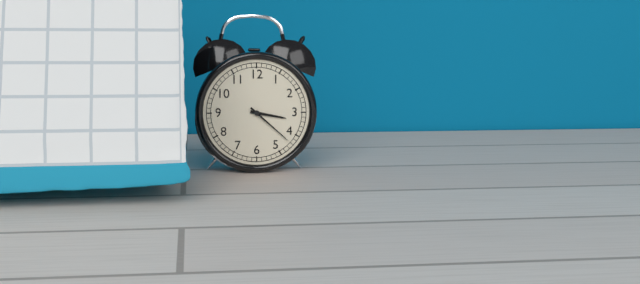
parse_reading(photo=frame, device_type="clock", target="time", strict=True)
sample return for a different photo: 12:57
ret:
3:22
